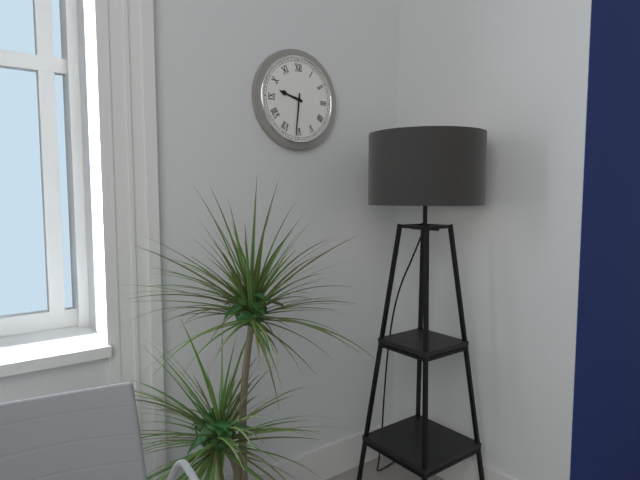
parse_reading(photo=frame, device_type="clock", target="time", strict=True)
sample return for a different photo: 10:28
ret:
9:31
